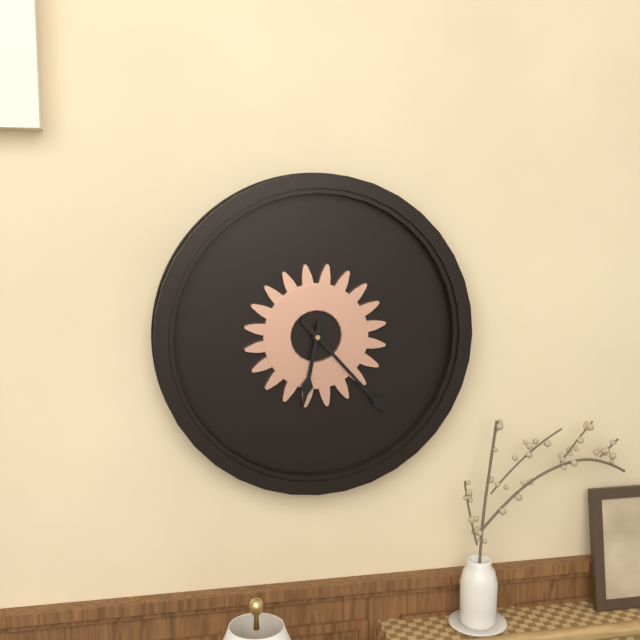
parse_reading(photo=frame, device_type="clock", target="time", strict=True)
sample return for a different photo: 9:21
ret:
6:23
